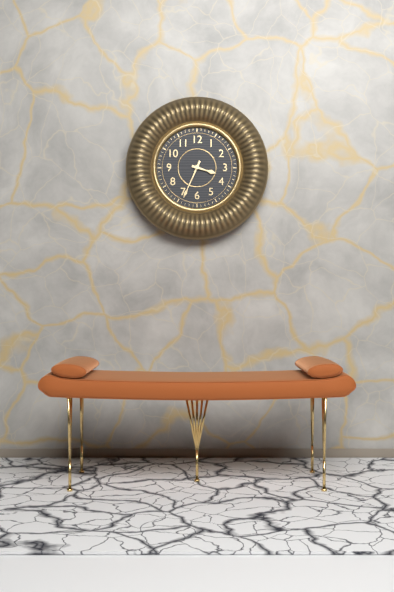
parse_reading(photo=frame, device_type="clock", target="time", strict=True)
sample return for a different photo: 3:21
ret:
3:34
